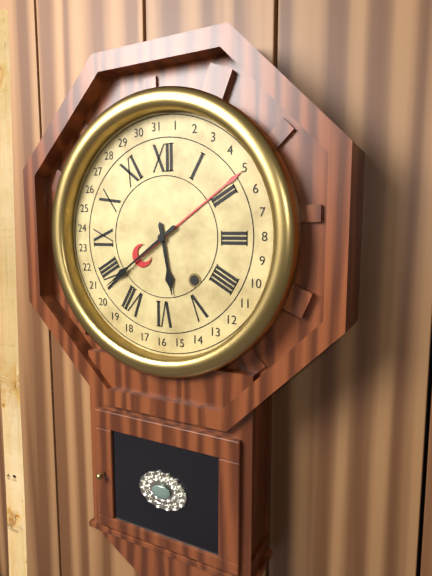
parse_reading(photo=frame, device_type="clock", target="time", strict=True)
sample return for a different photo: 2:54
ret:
5:39
